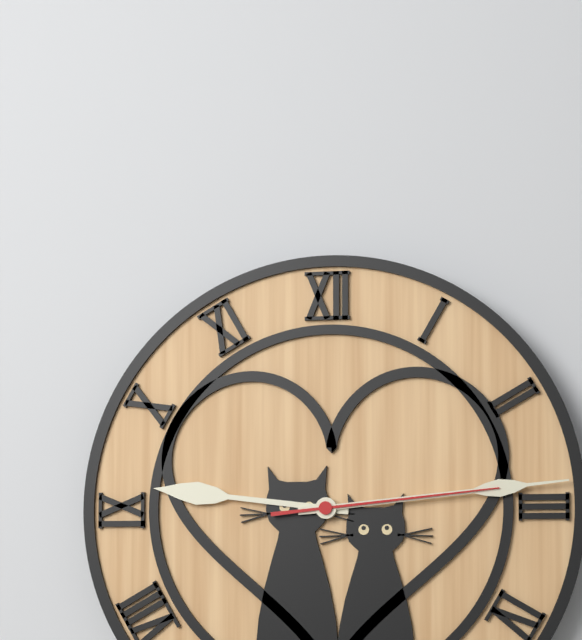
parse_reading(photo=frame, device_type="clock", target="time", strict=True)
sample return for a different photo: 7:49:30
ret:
9:14:14
